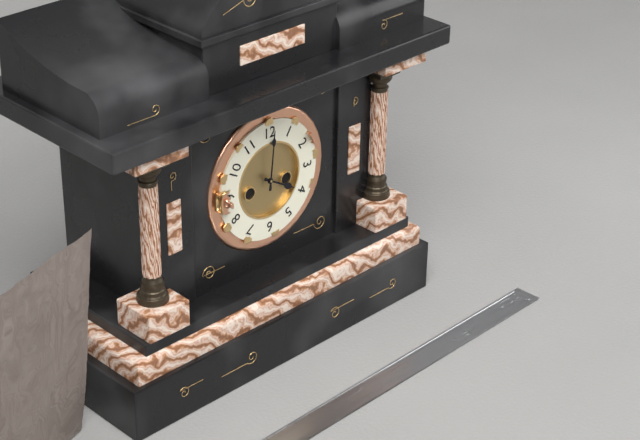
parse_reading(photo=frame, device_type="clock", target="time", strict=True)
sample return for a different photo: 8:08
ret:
4:01
